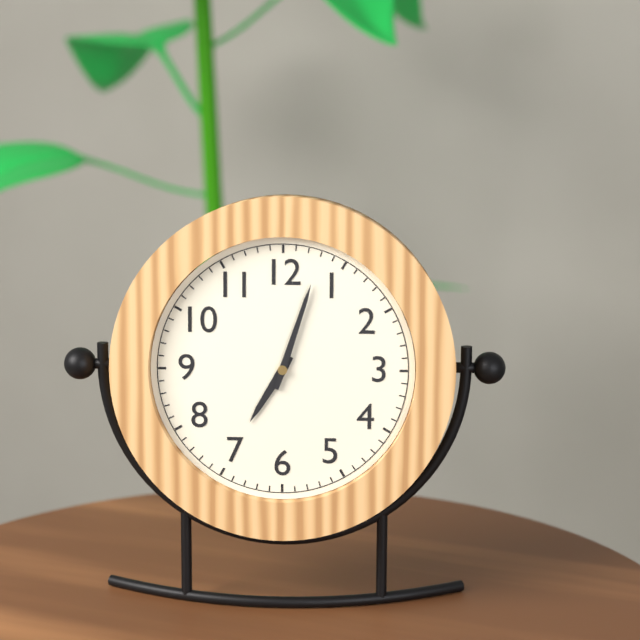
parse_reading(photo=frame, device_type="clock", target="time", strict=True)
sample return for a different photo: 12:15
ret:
7:03
